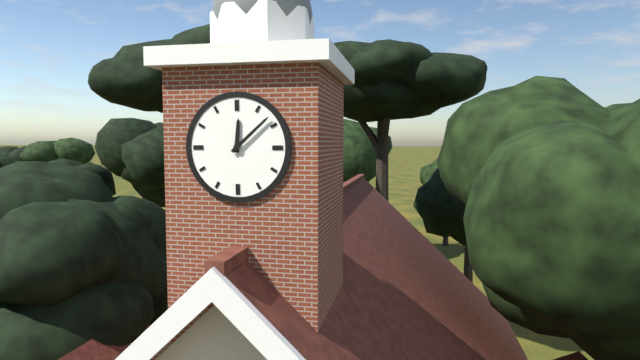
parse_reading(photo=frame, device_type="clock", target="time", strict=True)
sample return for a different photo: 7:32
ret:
12:08
